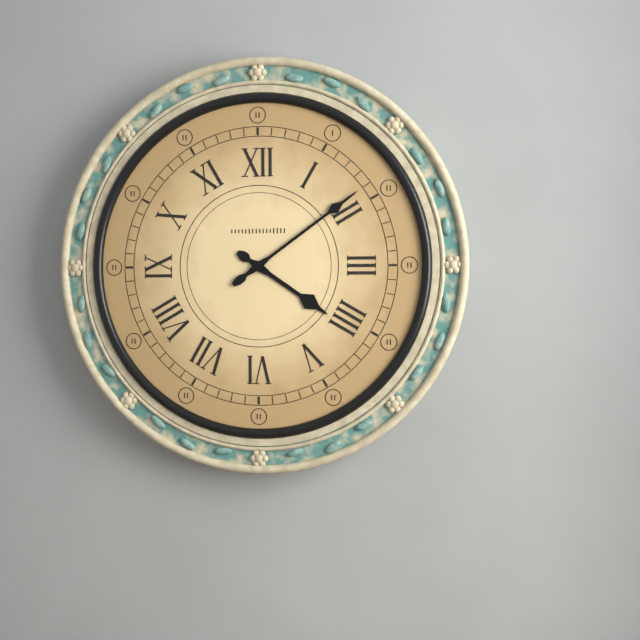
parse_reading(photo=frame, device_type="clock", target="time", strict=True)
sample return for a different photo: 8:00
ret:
4:09
